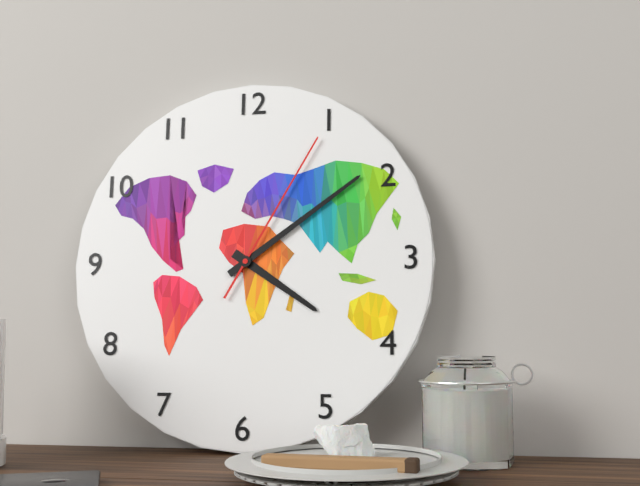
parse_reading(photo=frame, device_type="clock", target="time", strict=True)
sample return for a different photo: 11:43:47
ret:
4:09:05
